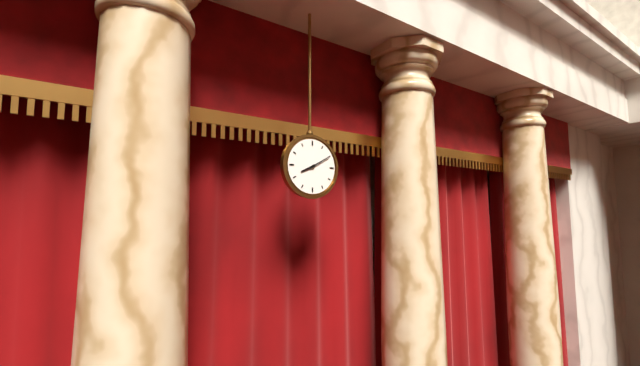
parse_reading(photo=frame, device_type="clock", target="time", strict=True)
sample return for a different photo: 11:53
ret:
8:10
